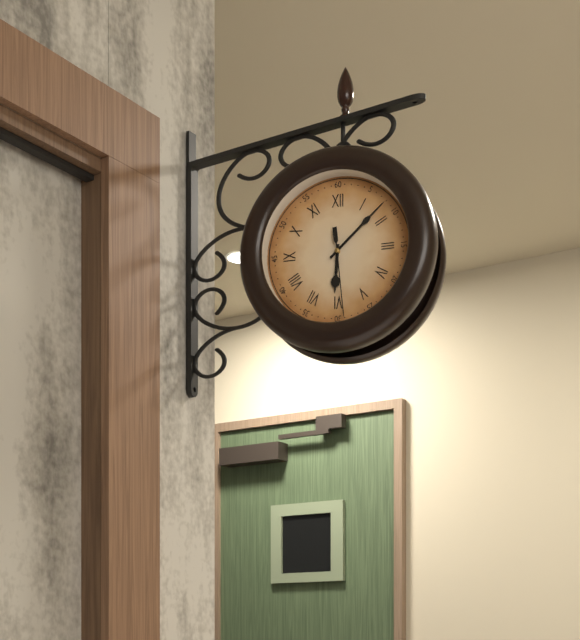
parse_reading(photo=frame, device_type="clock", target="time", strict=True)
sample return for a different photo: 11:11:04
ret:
6:08:29
